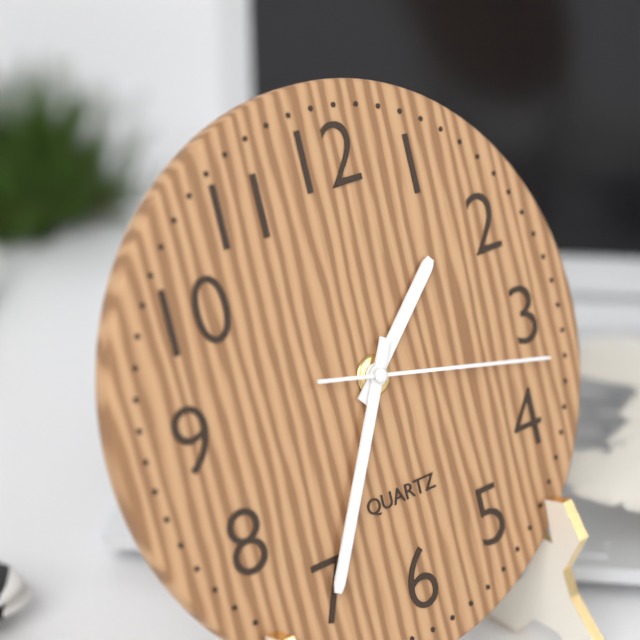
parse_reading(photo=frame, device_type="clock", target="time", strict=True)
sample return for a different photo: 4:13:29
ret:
1:35:17
